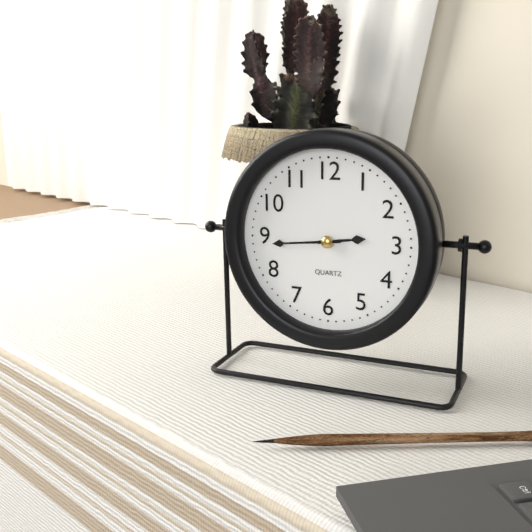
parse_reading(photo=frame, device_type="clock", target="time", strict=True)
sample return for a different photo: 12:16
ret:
2:44
